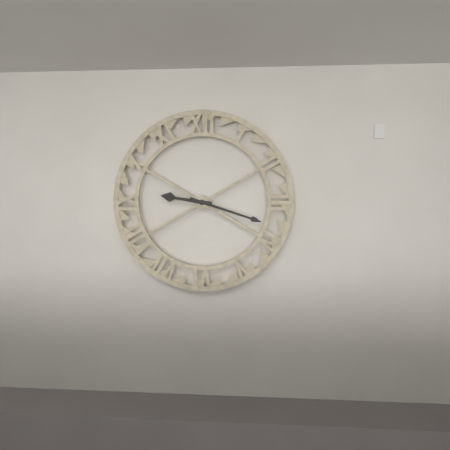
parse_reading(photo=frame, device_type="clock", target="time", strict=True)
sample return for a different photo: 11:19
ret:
9:18
